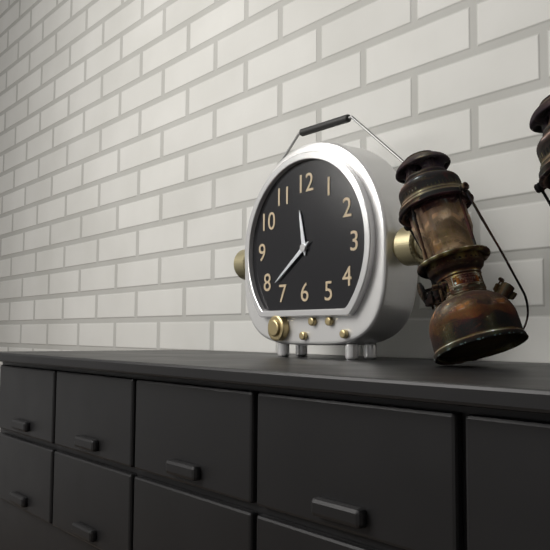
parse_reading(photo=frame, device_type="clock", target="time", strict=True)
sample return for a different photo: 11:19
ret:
11:39
